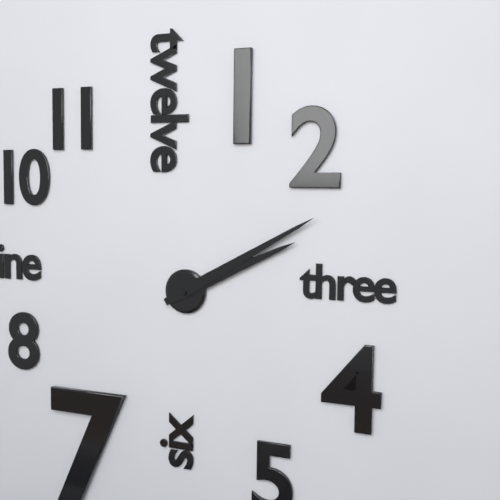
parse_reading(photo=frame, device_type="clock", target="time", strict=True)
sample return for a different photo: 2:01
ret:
2:10
